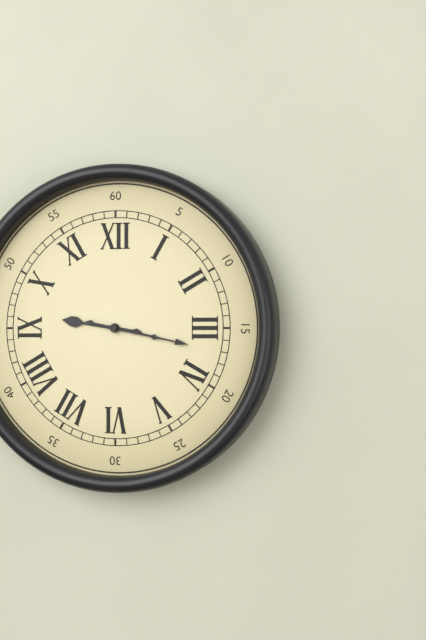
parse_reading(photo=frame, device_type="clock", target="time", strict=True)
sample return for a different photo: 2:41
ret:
9:17
